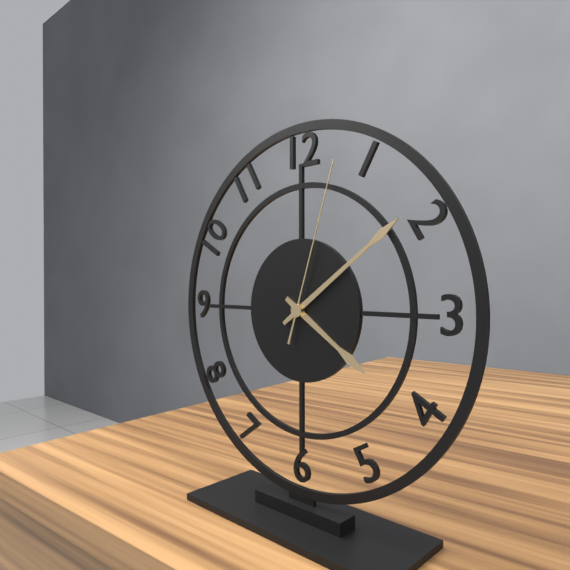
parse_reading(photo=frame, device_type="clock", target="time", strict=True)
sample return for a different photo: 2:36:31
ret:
4:09:03
